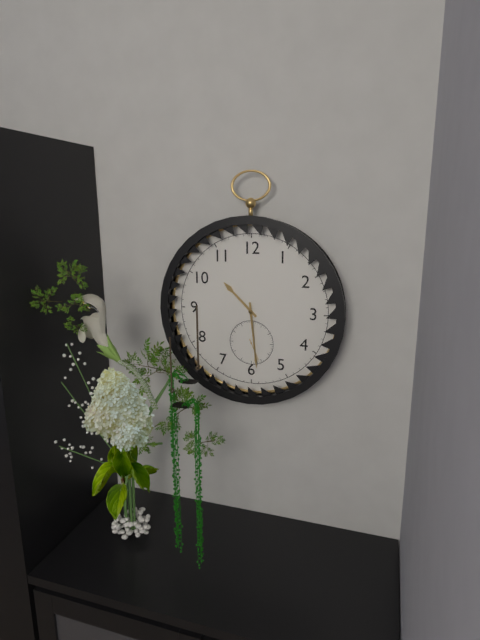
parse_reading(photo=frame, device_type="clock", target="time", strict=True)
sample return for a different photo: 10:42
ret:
10:29
